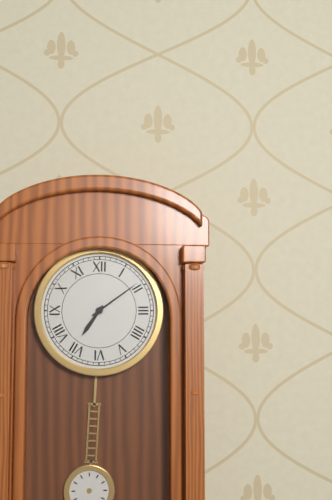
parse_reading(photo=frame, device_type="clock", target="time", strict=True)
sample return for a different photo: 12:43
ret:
7:09
